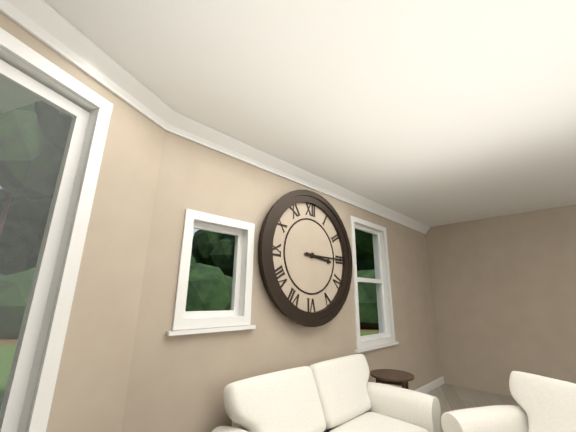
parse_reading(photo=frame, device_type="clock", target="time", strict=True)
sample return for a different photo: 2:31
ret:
3:15
